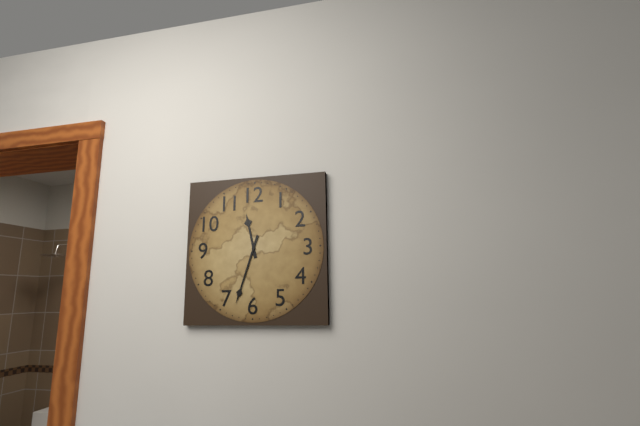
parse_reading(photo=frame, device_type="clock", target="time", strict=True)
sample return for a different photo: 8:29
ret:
11:33
